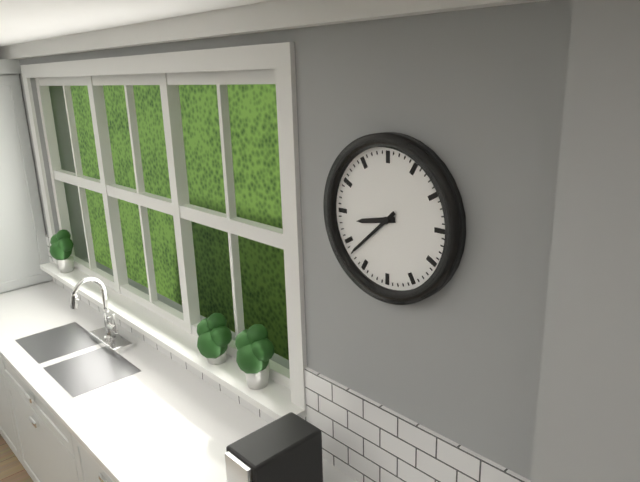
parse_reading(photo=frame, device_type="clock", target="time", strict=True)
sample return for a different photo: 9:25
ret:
8:38
